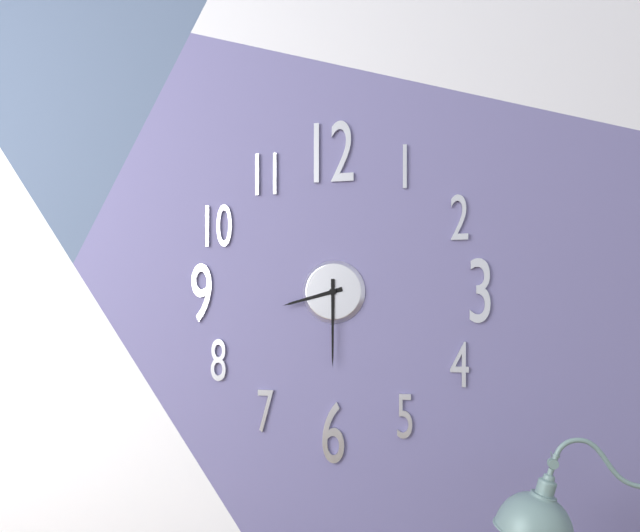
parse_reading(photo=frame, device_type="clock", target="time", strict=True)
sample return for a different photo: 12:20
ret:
8:30
